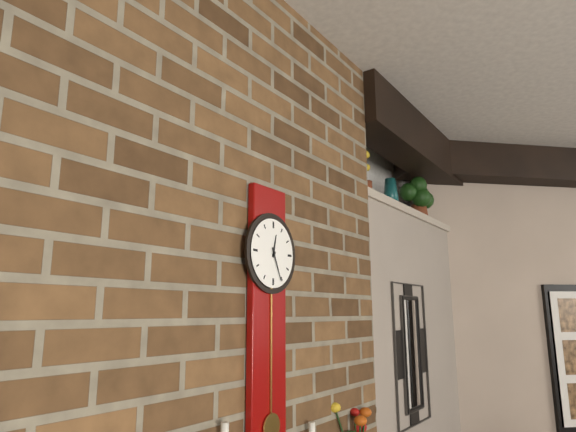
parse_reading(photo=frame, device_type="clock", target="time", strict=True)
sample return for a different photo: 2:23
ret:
12:26
